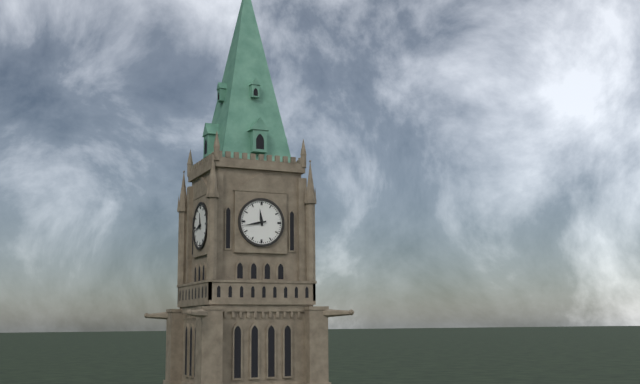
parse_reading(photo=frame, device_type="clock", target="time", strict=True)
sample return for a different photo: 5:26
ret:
11:43
